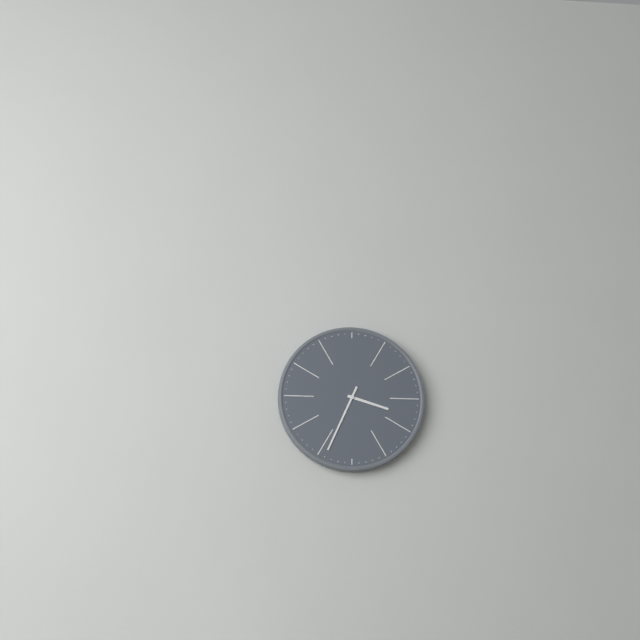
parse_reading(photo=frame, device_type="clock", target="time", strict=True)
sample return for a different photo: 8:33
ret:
3:34
